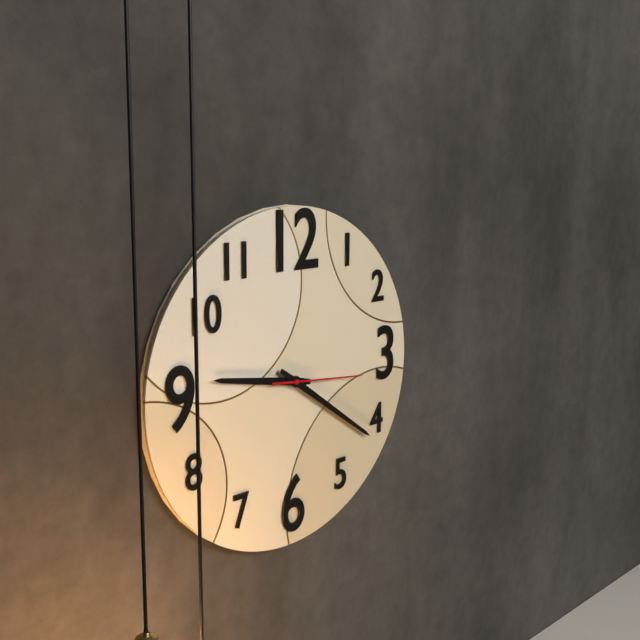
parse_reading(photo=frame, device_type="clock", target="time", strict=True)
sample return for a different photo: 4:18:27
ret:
9:21:16
